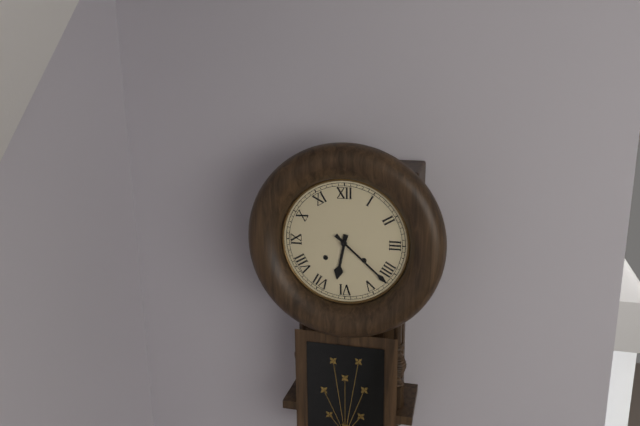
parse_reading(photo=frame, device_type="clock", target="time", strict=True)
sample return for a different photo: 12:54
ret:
6:22
